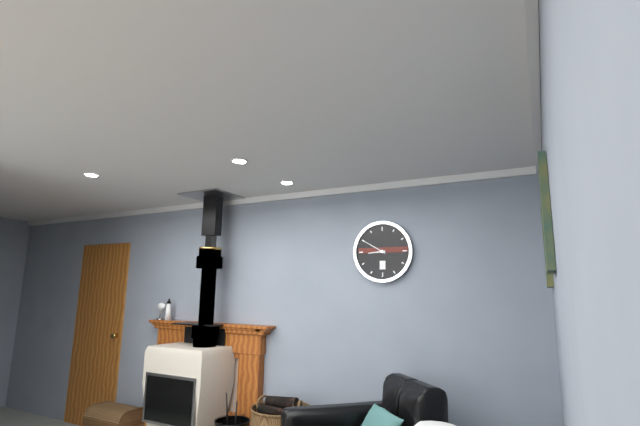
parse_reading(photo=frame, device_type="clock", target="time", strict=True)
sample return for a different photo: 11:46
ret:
8:50
